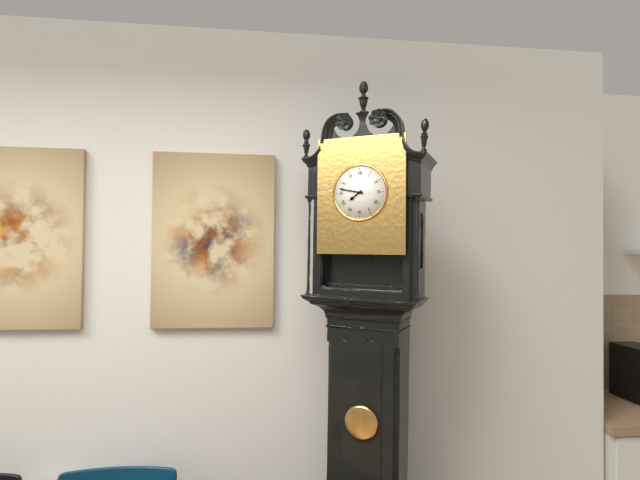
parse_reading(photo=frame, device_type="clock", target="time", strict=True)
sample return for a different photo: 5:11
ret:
7:47
